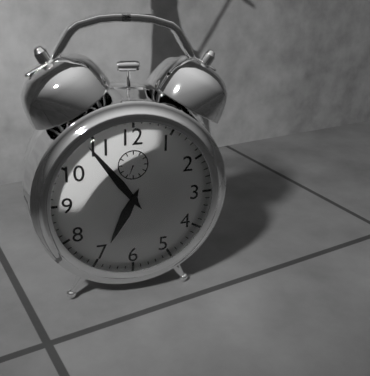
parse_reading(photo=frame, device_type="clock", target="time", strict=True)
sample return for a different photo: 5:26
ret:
6:54
